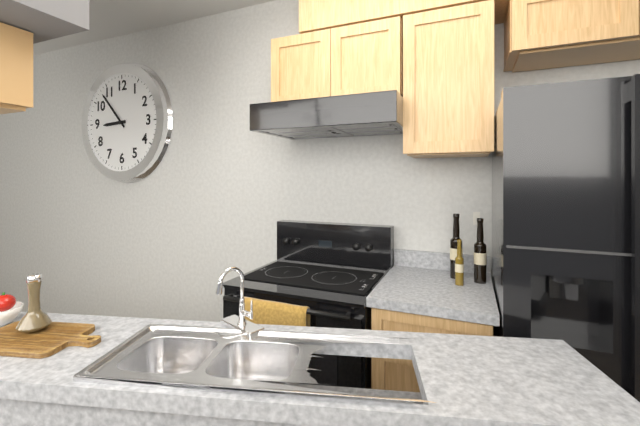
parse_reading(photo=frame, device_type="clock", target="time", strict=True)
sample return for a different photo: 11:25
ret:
8:53
